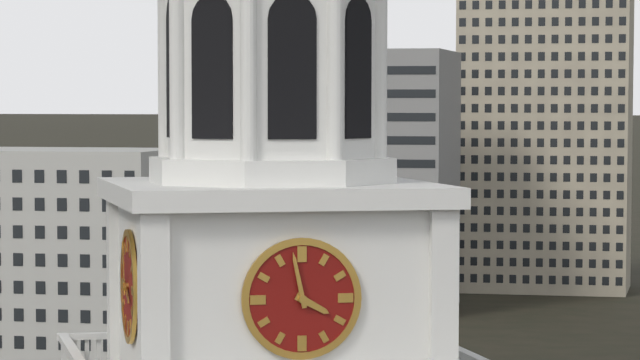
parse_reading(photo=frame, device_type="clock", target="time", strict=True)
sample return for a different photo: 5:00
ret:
3:58
